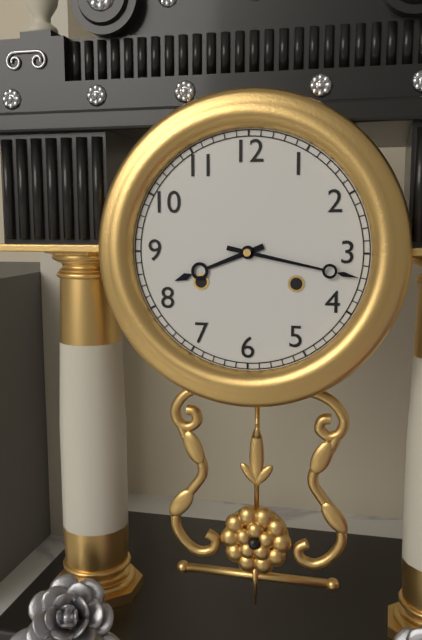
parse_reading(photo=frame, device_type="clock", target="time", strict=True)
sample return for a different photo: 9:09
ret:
8:17
